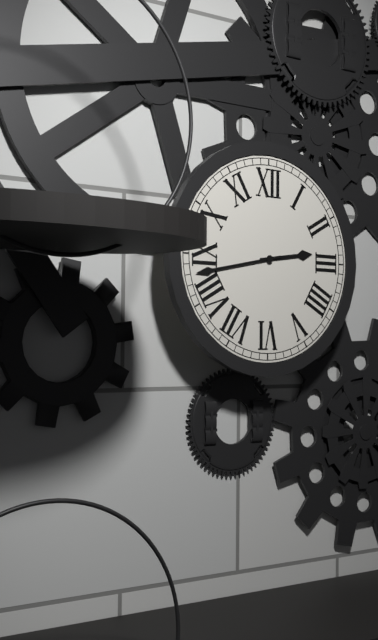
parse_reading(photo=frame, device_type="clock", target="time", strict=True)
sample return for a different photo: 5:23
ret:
2:43
